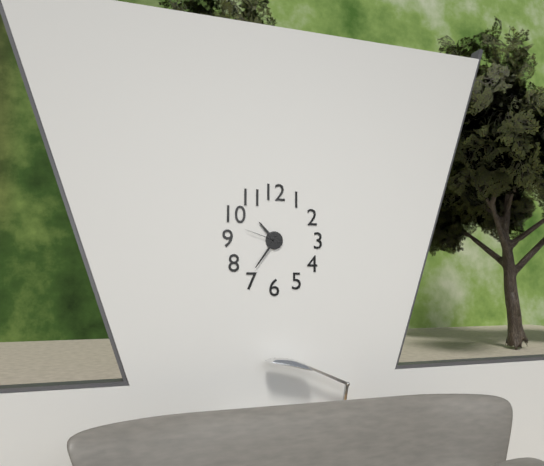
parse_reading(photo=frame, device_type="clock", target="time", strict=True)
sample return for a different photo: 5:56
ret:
10:36
